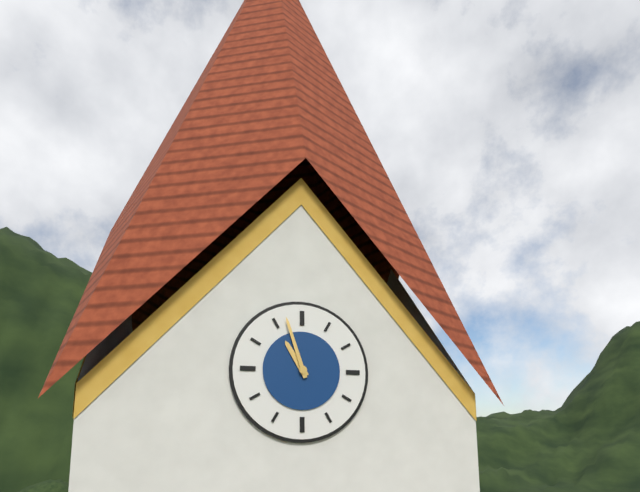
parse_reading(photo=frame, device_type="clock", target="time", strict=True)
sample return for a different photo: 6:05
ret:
10:57
